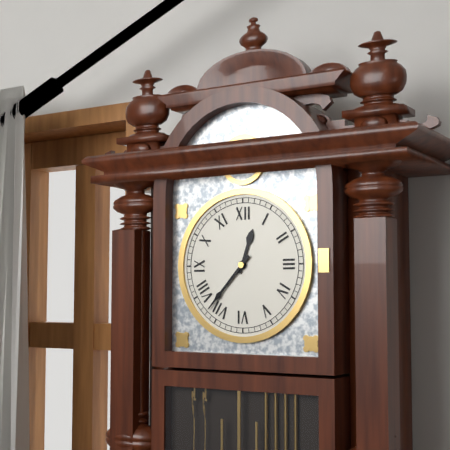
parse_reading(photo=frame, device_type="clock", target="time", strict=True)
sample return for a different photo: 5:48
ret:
12:37
